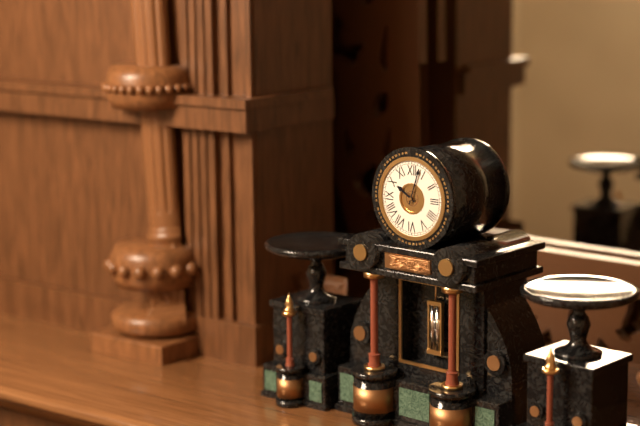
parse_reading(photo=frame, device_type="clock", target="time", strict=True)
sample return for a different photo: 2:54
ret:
10:03
